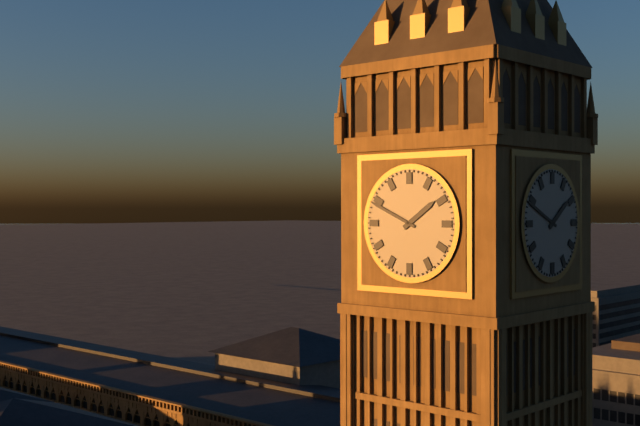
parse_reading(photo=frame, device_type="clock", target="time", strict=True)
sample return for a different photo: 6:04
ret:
1:49
